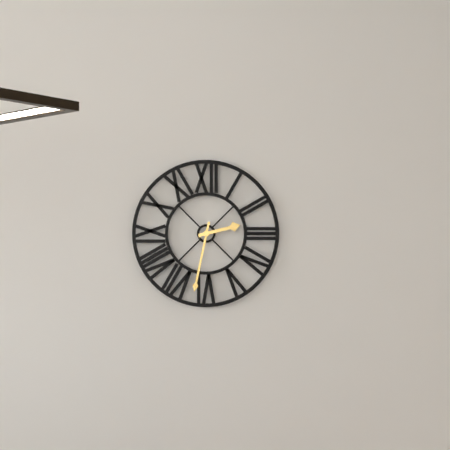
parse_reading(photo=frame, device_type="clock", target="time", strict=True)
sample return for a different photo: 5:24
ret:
2:32
